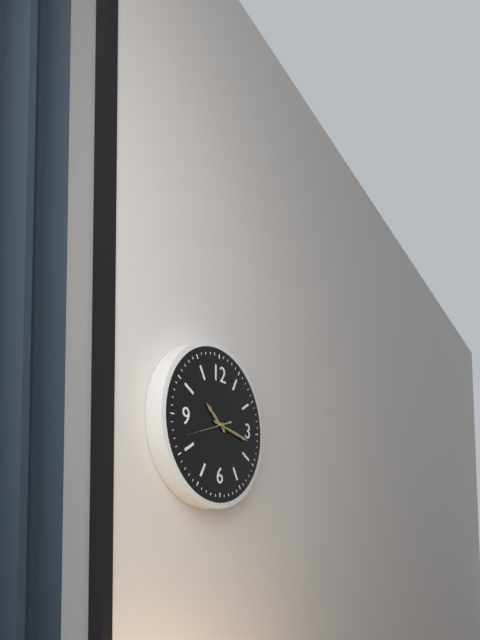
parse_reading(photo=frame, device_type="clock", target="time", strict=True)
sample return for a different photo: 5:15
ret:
10:17
